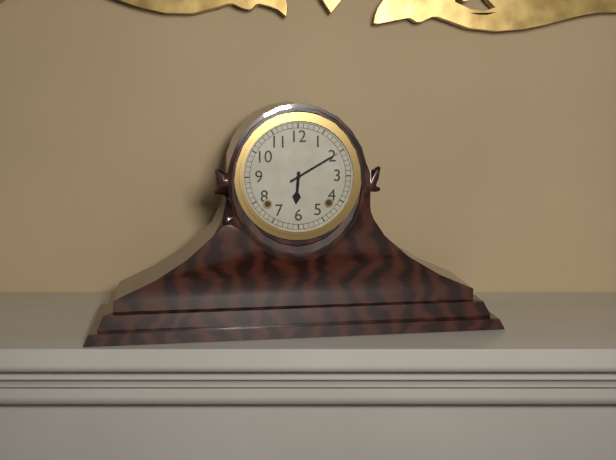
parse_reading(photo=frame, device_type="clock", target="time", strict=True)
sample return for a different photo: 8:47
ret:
6:10
